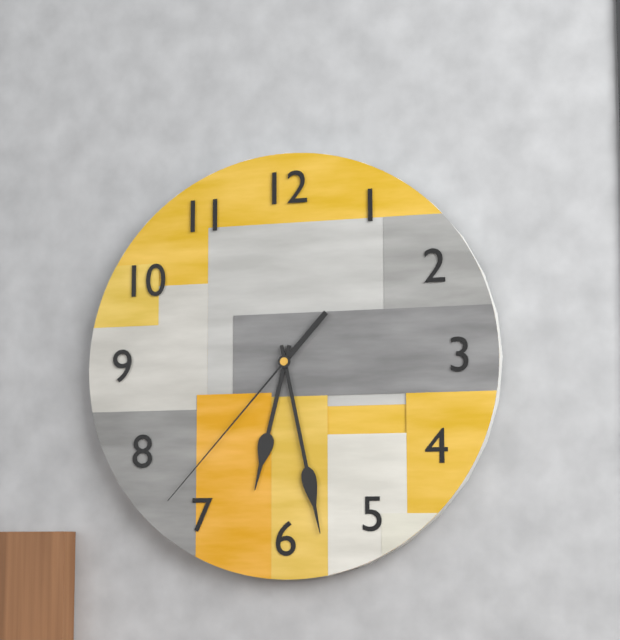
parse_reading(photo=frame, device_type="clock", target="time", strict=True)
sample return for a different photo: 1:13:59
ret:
6:28:37
